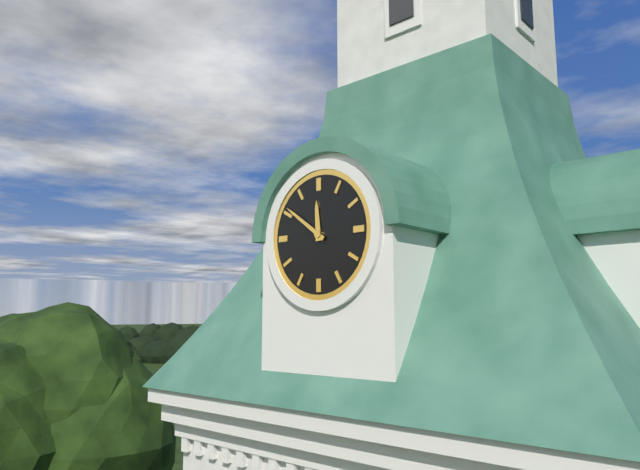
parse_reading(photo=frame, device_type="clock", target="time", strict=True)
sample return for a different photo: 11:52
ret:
11:51
